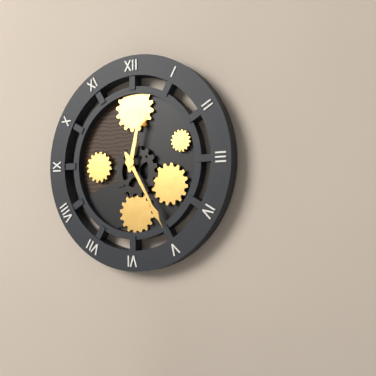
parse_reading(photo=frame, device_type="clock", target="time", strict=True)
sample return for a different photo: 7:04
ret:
12:25
